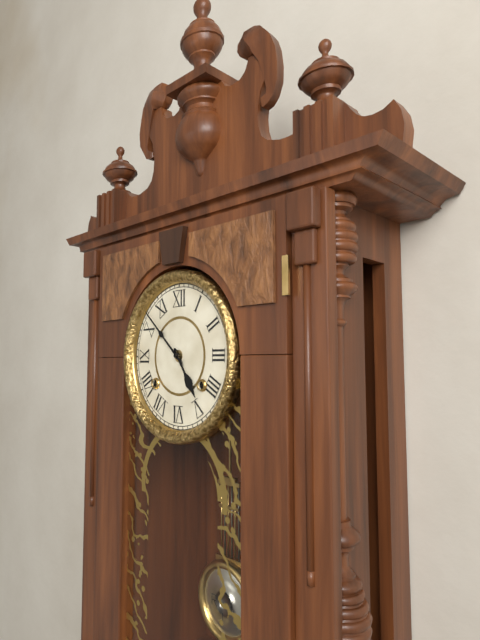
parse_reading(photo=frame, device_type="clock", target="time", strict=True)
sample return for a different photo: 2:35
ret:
4:52
